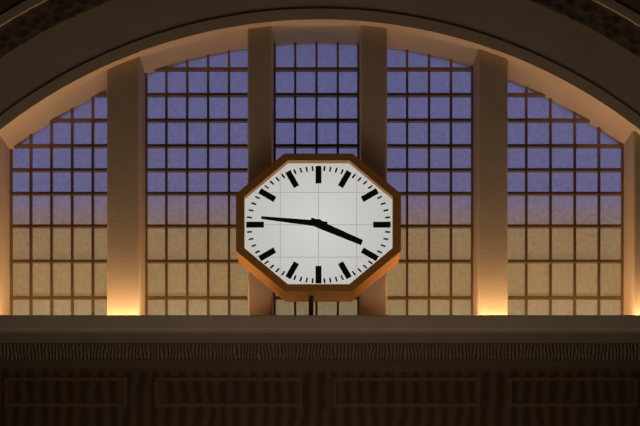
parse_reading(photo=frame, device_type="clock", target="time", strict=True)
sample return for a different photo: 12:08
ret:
3:46
